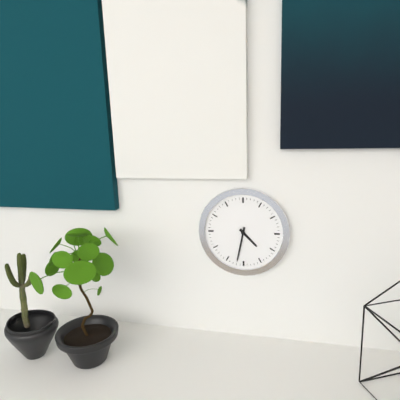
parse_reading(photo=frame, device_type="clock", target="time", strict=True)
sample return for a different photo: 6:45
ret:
4:32
